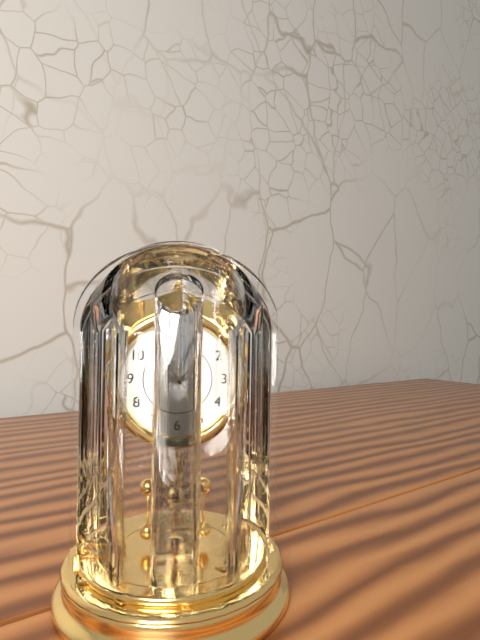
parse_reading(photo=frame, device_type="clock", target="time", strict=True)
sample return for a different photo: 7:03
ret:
10:53
